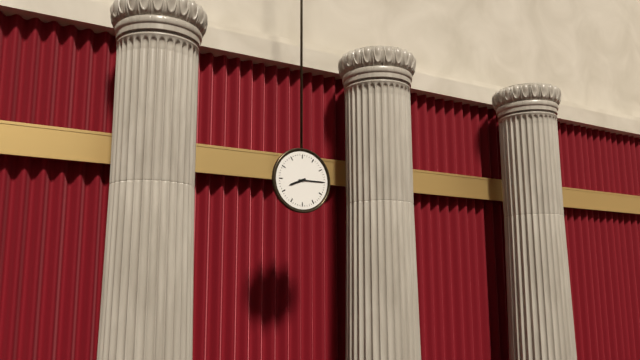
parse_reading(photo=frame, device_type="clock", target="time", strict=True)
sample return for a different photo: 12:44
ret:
8:15
